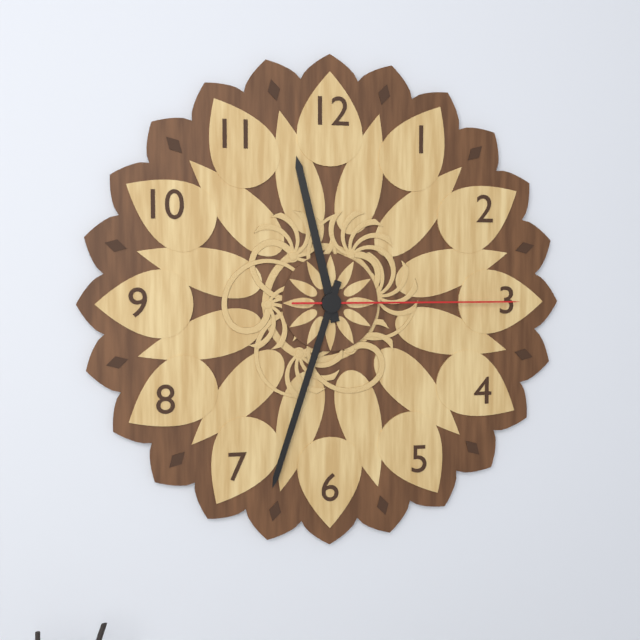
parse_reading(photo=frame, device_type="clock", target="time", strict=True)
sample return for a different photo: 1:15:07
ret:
11:33:15
